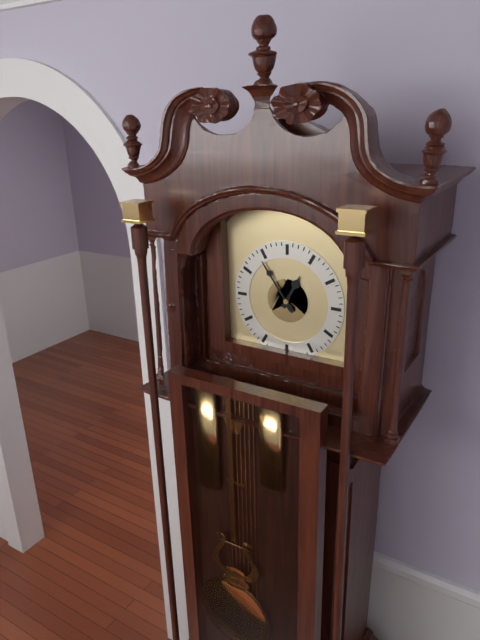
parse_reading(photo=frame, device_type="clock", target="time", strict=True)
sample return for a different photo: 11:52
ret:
12:54
